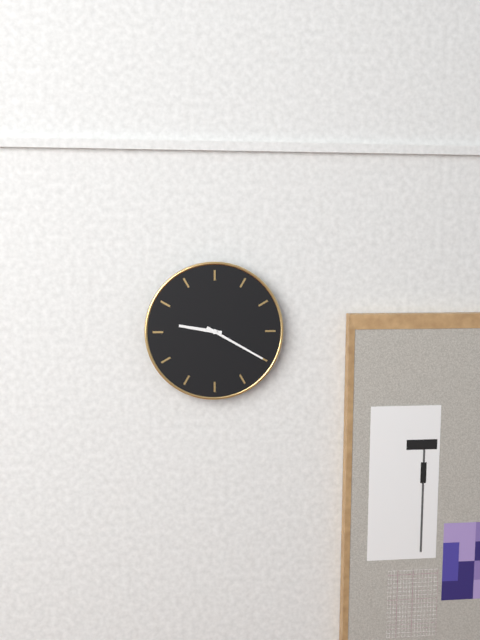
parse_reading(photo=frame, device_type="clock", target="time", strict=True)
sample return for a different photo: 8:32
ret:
9:20
